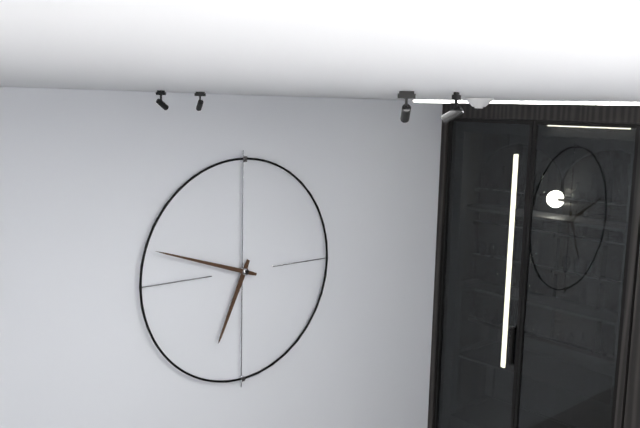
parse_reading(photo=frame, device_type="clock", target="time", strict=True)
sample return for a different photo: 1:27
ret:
6:48
